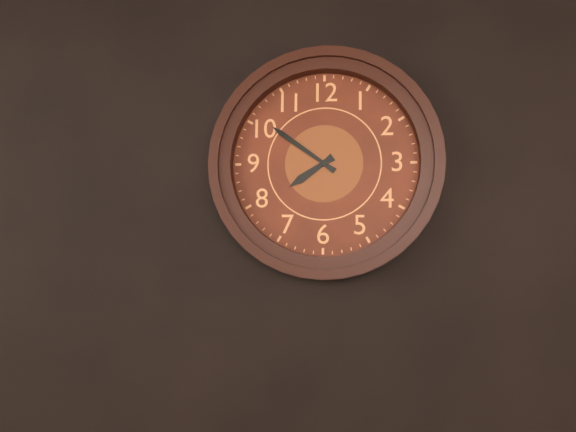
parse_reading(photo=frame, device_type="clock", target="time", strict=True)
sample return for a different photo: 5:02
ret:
7:51
